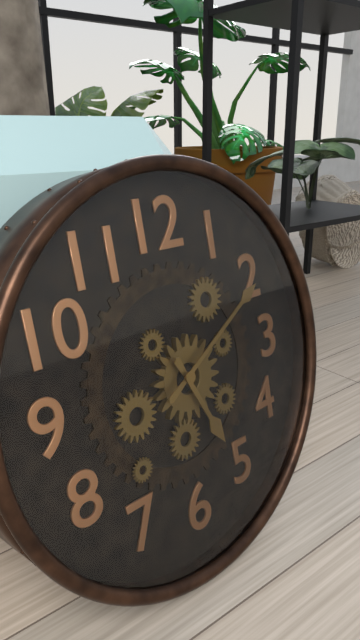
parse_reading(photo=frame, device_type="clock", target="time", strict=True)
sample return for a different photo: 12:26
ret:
5:10
